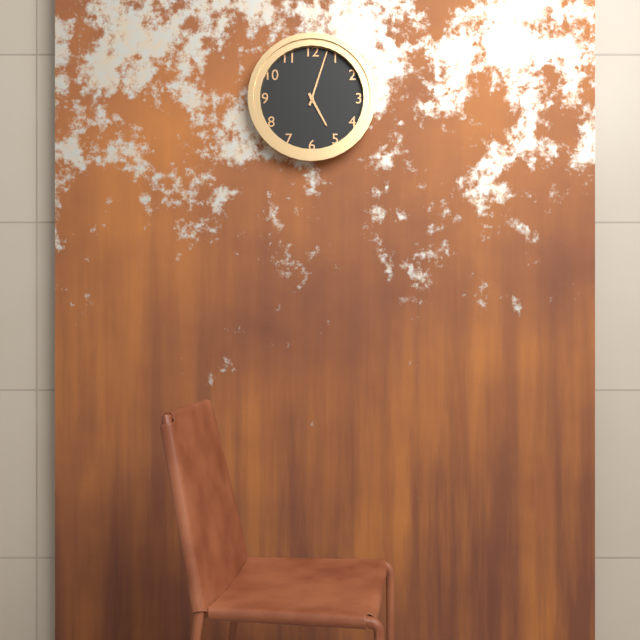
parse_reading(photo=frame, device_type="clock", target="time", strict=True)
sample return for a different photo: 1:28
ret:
5:03
